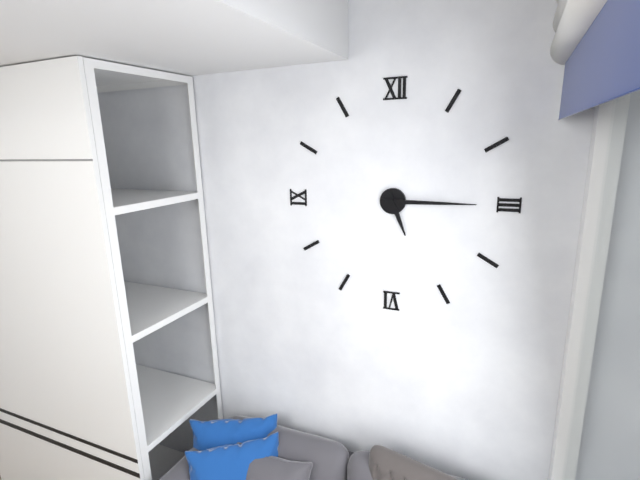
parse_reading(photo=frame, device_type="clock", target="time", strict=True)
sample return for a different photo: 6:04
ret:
5:15
